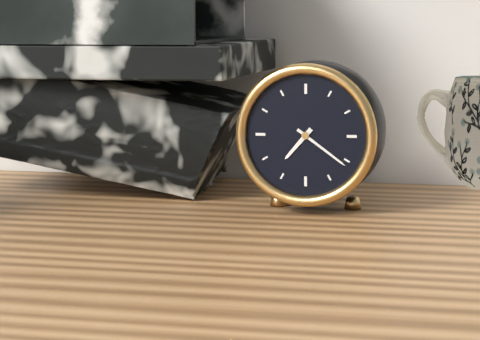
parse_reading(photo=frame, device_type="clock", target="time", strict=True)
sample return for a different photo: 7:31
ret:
7:21
